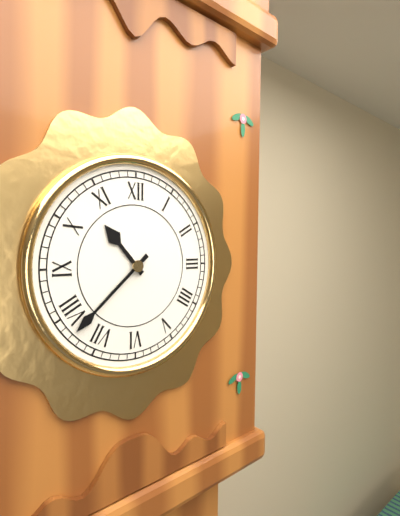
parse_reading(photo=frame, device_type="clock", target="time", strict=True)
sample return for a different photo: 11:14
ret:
10:38
